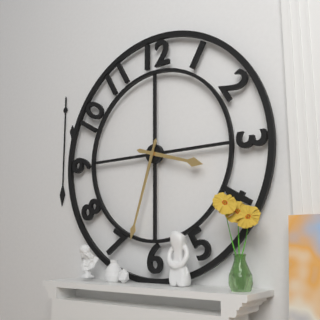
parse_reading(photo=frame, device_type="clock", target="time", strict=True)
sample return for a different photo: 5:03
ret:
3:33
